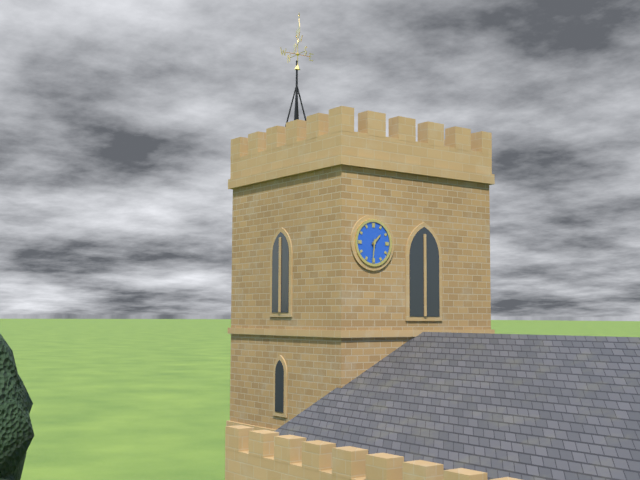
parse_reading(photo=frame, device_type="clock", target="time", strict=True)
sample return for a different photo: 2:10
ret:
1:31
